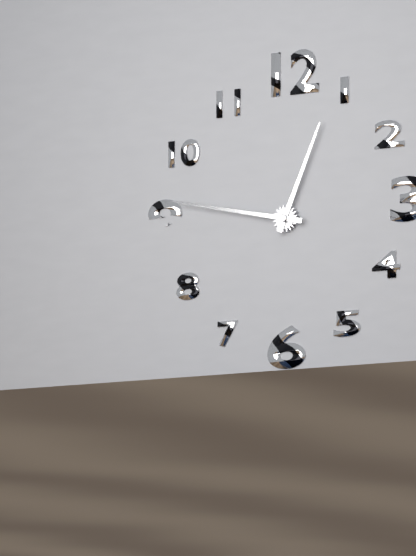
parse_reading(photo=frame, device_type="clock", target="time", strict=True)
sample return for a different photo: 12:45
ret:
12:47
